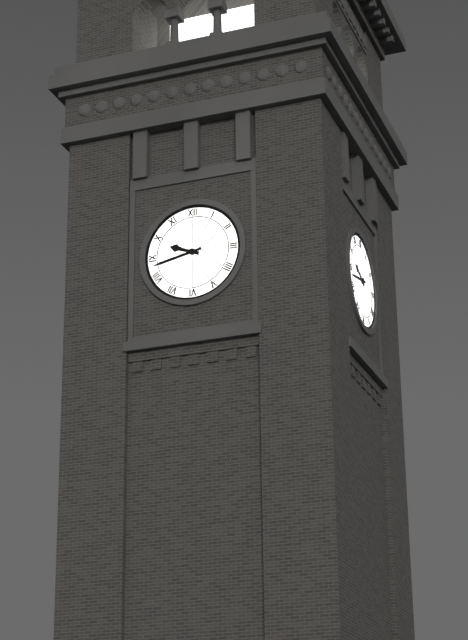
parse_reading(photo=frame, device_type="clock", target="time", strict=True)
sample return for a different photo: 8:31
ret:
9:43
